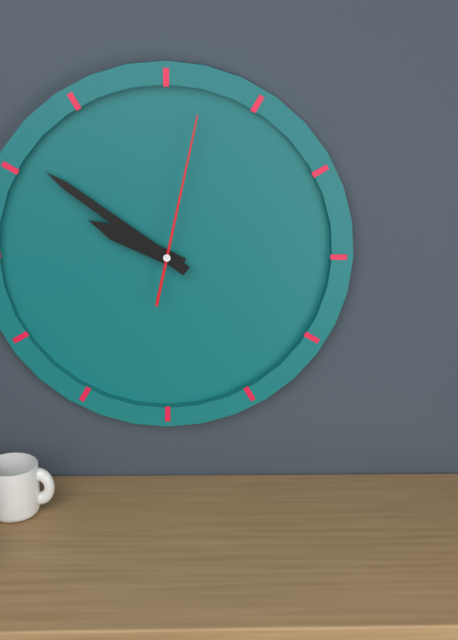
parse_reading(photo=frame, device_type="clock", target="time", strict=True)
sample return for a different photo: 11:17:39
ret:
9:51:02
